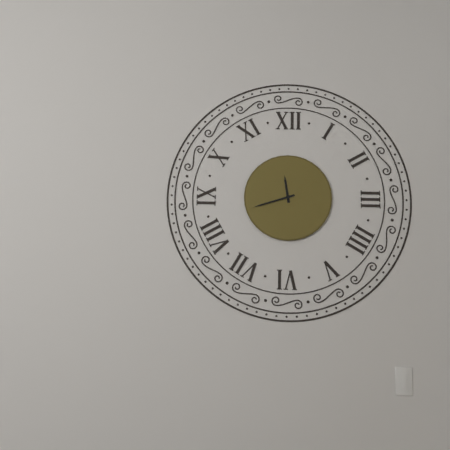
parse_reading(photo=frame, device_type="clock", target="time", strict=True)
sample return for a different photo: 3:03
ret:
11:42
